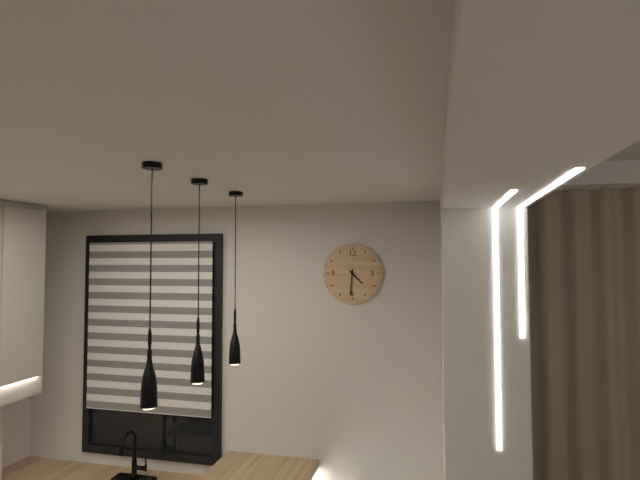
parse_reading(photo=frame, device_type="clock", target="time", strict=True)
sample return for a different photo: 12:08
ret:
4:31
